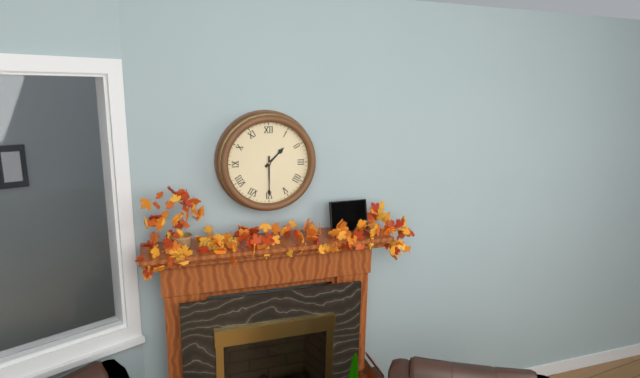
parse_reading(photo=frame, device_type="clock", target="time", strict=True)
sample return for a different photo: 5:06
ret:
1:30
